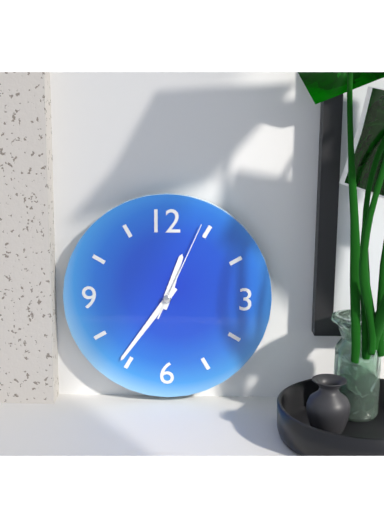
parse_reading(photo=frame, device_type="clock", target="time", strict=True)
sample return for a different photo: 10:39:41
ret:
12:36:04
